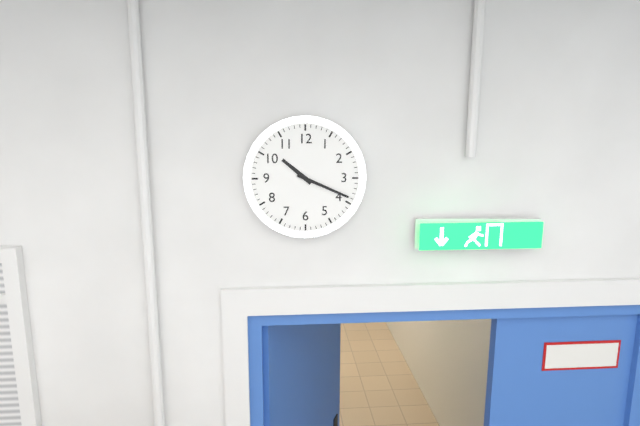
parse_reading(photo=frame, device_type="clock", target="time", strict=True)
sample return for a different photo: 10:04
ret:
10:19
